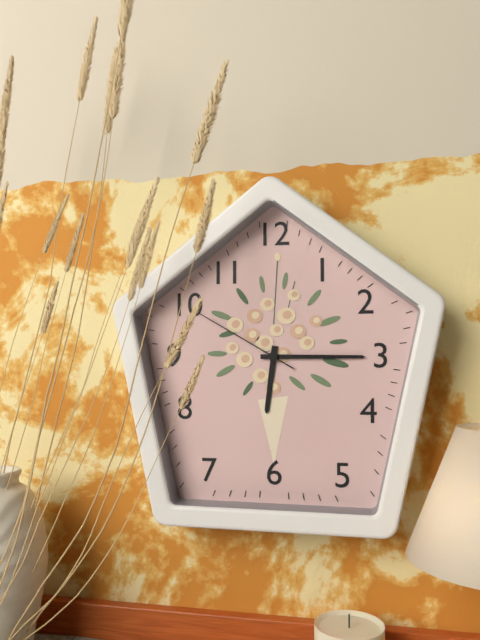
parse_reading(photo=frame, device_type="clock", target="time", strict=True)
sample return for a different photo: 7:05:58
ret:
6:15:50
